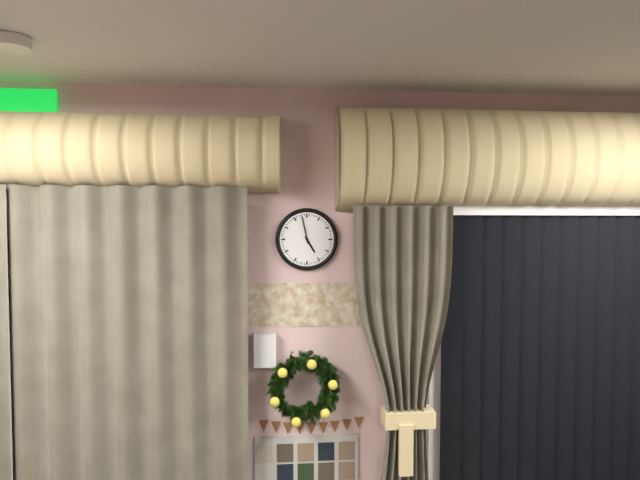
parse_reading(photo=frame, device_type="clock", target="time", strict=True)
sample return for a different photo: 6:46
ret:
4:58
